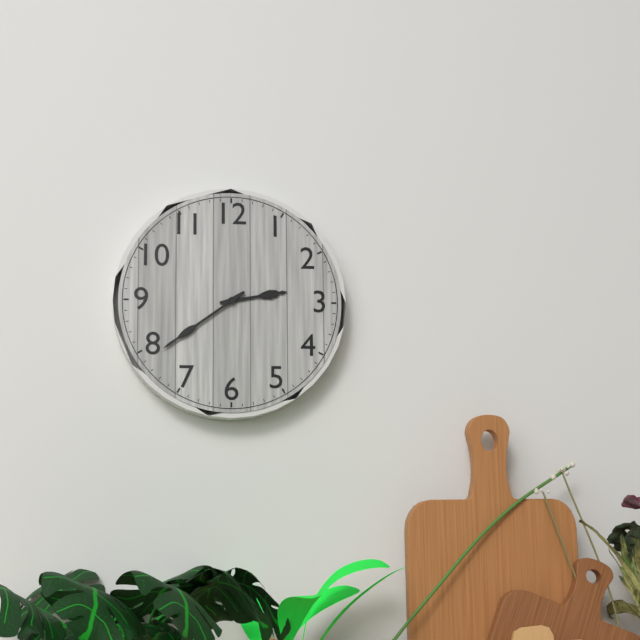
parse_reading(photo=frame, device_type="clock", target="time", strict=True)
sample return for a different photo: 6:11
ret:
2:39
